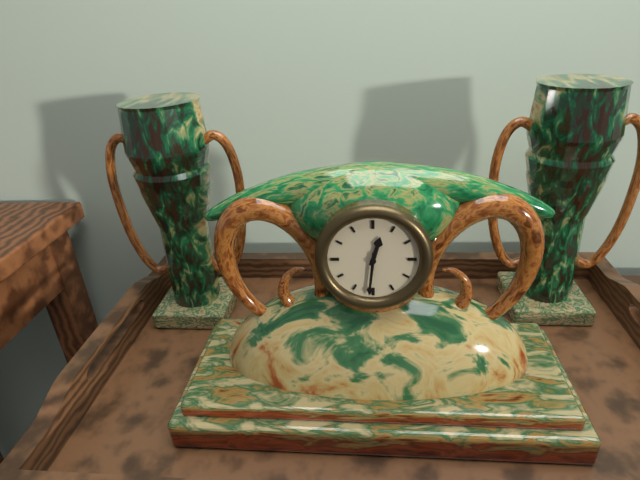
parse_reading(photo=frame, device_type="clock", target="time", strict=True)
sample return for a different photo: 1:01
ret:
12:31
